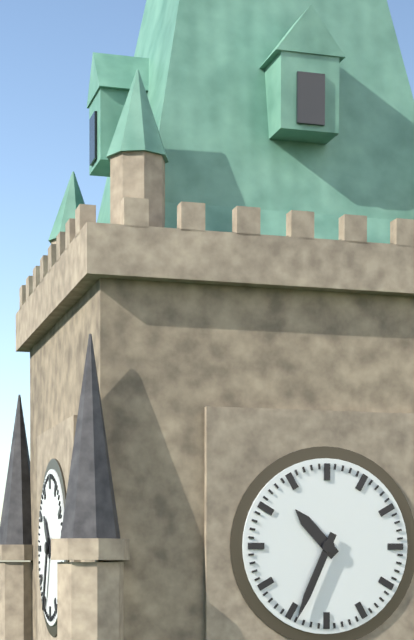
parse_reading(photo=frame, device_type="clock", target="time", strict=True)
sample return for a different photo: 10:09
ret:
10:34
